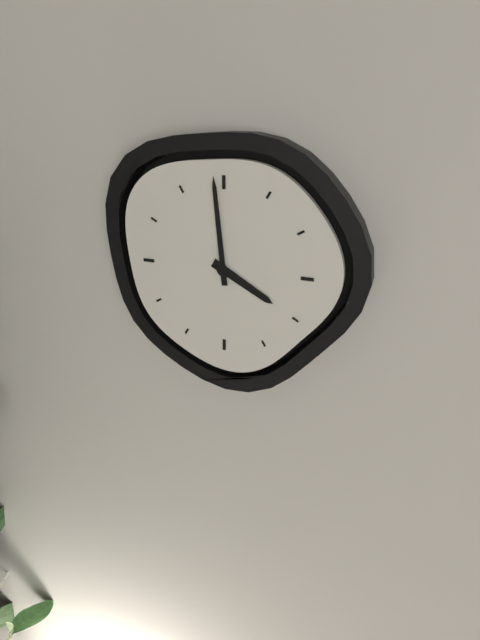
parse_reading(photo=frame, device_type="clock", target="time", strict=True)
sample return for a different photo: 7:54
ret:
3:59
